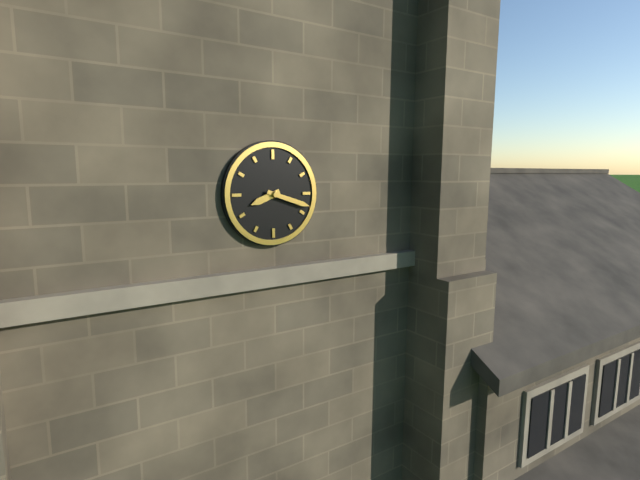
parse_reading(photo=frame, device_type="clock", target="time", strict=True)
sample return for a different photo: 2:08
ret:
8:18
